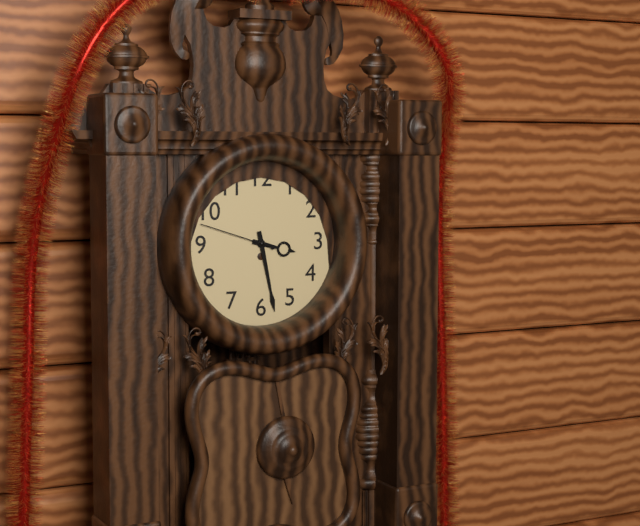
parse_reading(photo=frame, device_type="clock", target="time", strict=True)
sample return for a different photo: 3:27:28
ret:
3:28:48
